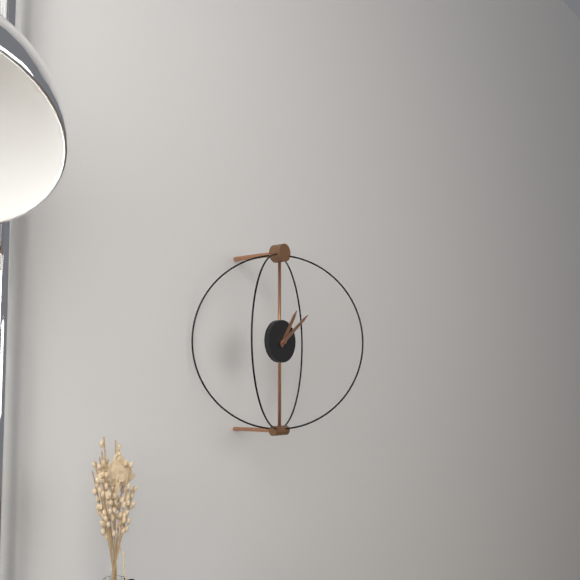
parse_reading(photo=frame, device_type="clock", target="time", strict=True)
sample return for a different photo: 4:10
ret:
1:09
